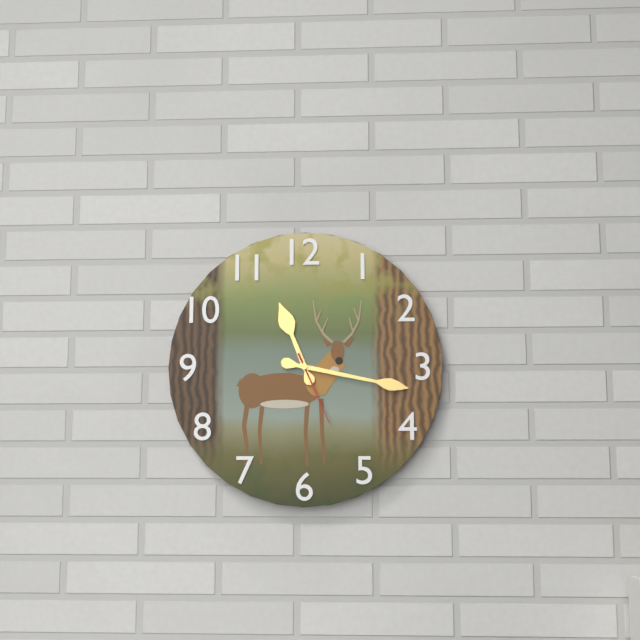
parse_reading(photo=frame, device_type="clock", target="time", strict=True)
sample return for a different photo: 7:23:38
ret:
11:17:26
